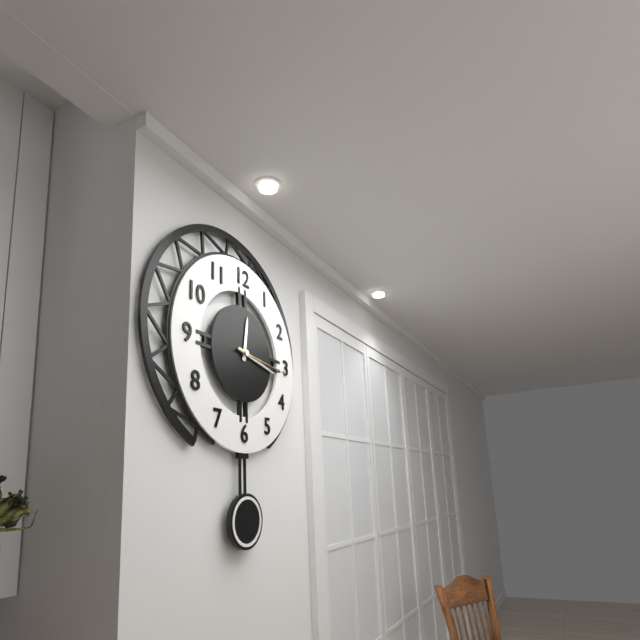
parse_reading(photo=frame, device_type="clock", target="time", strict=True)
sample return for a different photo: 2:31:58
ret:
12:17:16
